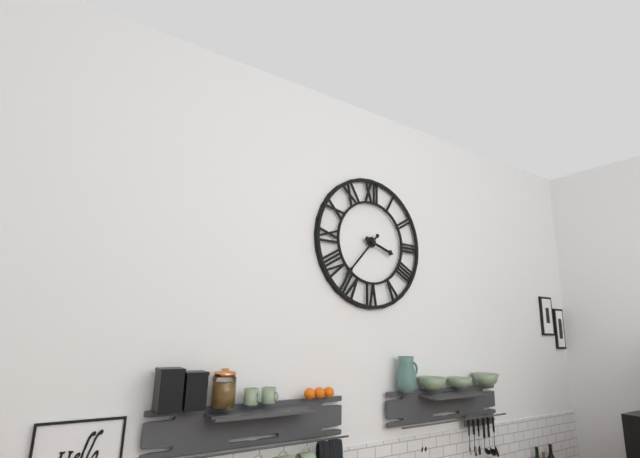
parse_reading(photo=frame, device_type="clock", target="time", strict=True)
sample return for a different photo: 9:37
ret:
3:37
